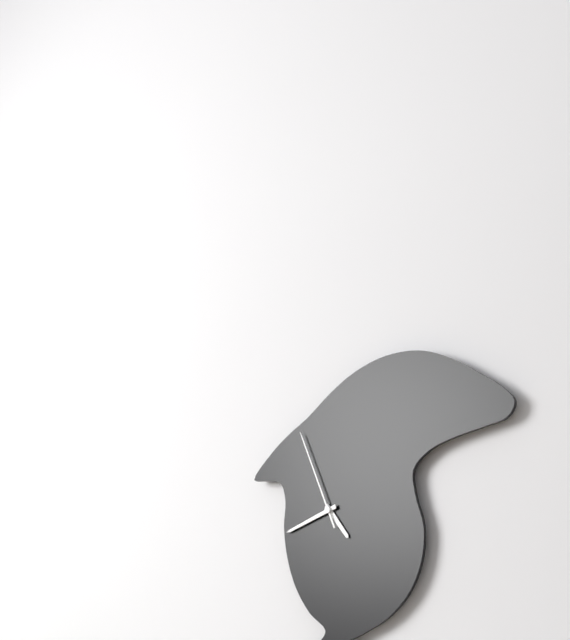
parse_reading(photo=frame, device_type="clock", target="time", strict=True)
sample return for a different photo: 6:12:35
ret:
4:42:56
